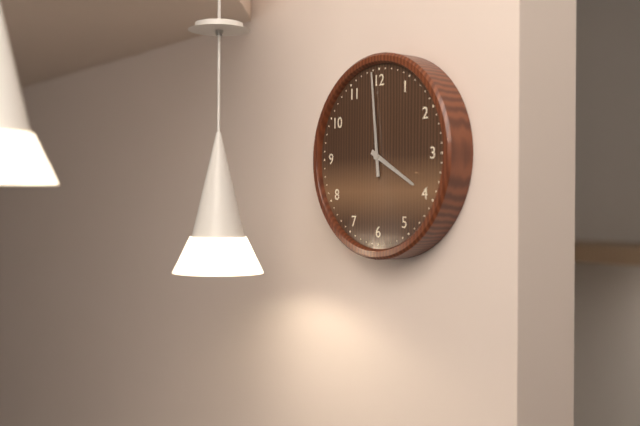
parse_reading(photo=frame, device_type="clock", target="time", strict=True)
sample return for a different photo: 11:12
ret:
3:59
